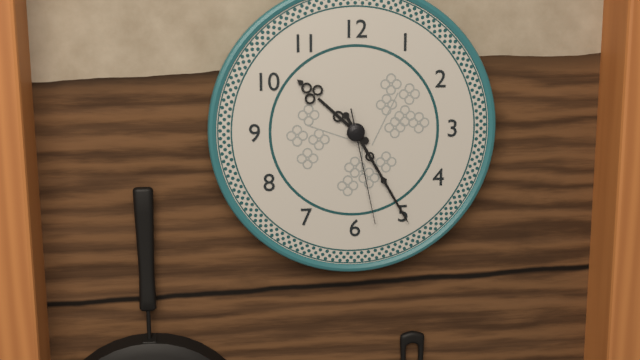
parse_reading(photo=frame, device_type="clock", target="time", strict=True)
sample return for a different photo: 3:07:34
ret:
10:25:28
